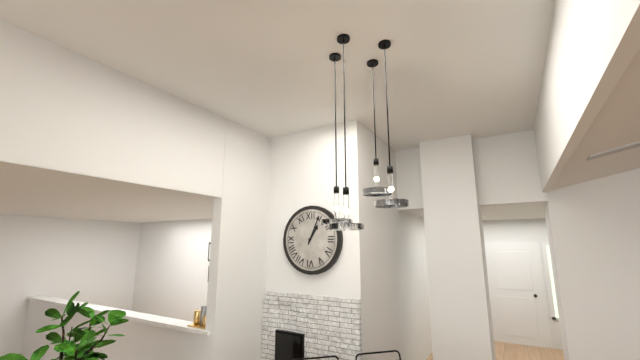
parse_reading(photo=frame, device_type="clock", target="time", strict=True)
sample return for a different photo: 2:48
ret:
1:04
